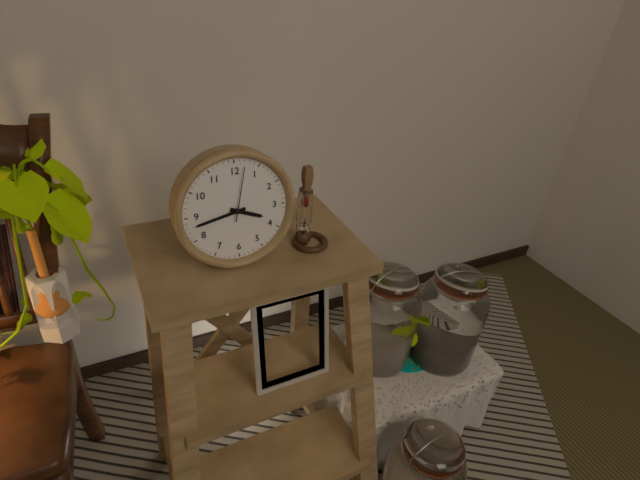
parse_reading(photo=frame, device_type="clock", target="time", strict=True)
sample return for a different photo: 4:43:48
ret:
3:43:02
